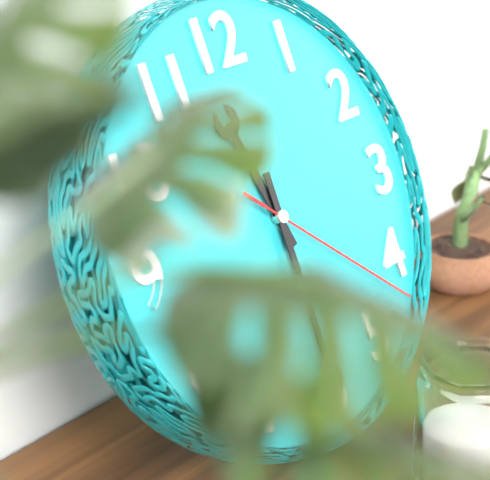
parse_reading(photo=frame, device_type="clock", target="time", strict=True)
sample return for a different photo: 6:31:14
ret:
11:30:22
